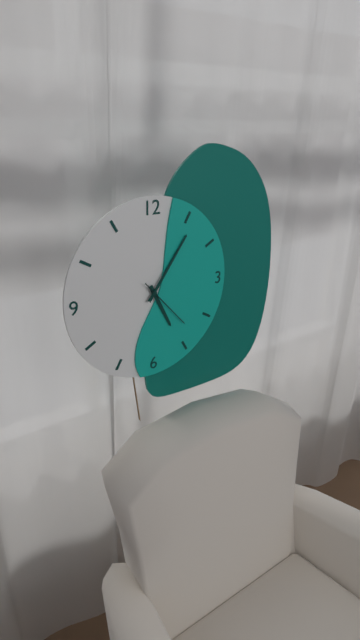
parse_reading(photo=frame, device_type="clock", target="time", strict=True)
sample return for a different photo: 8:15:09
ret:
5:06:23
